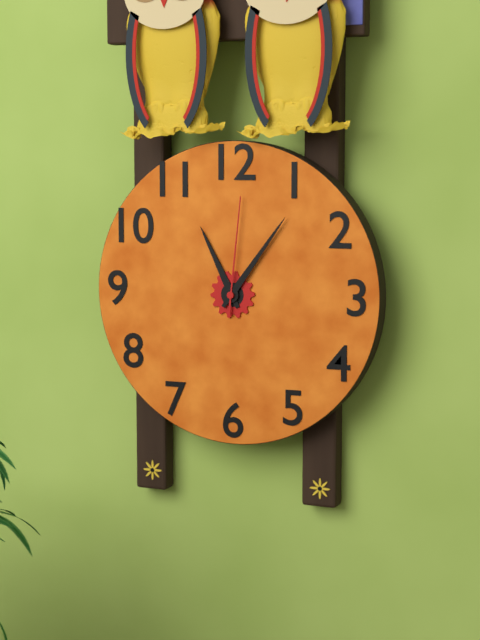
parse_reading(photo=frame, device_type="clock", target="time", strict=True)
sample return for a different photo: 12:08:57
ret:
11:06:01
